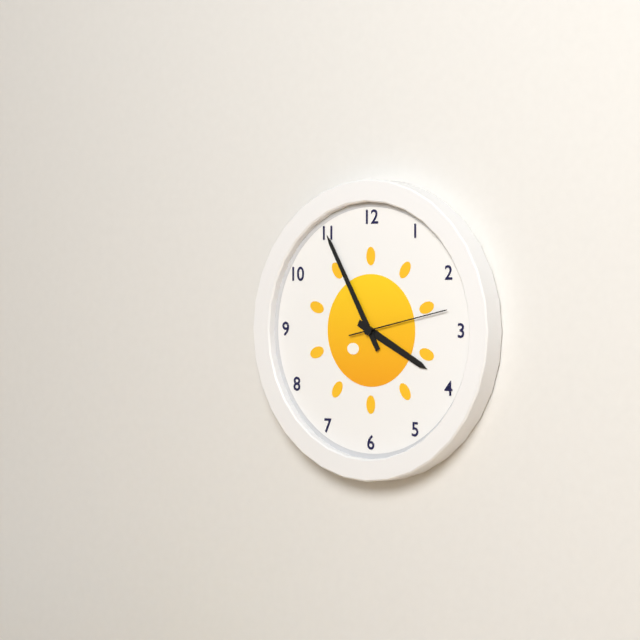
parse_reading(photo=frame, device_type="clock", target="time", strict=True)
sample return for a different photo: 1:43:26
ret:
3:55:13
